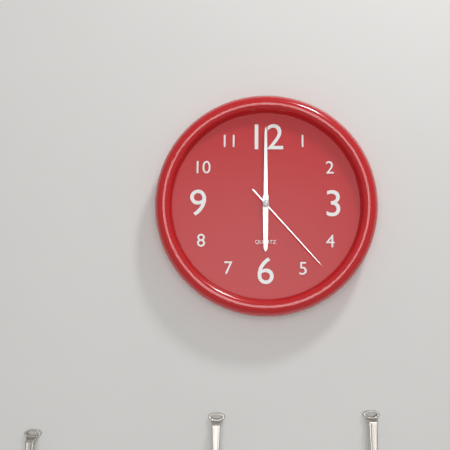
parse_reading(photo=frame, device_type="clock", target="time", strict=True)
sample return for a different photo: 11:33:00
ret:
6:00:23
